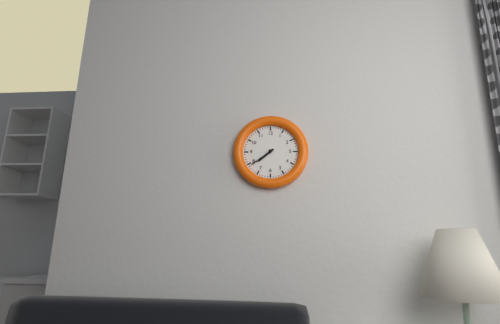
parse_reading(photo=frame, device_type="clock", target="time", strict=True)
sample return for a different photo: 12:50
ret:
7:39
